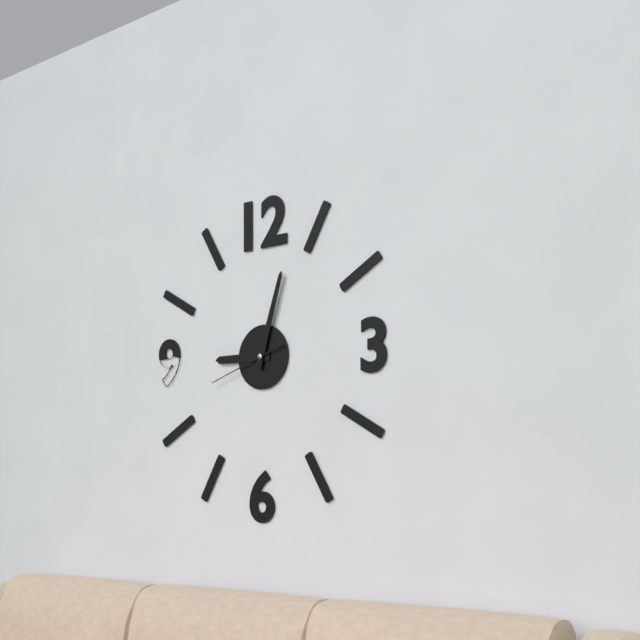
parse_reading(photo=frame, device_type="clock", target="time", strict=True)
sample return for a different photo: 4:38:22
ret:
9:03:42
